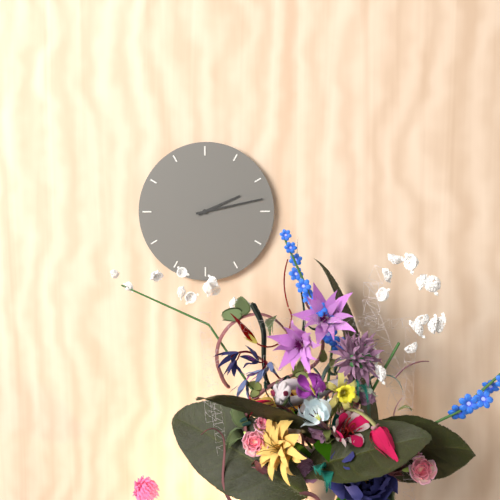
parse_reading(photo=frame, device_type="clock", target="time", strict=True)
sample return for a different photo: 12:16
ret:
2:13
